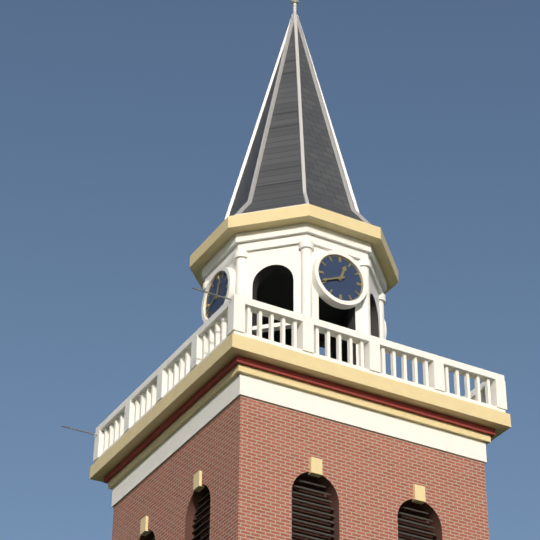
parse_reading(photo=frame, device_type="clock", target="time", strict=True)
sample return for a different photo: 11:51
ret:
12:41
